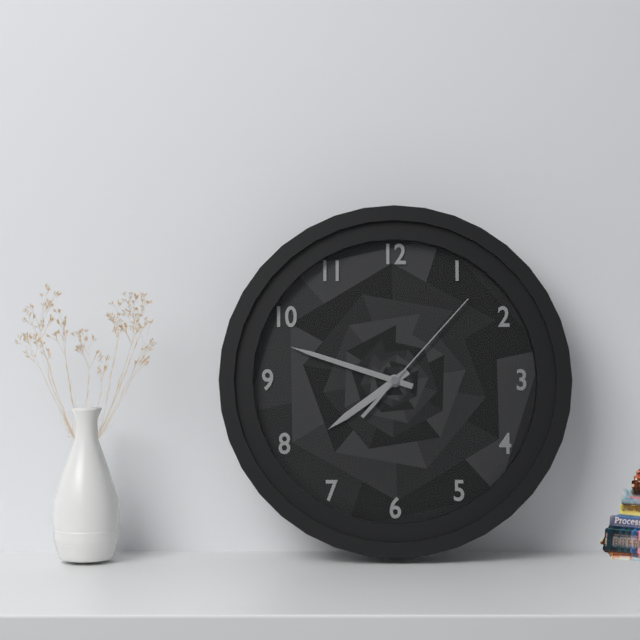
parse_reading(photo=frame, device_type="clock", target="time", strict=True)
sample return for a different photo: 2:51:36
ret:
7:48:07
